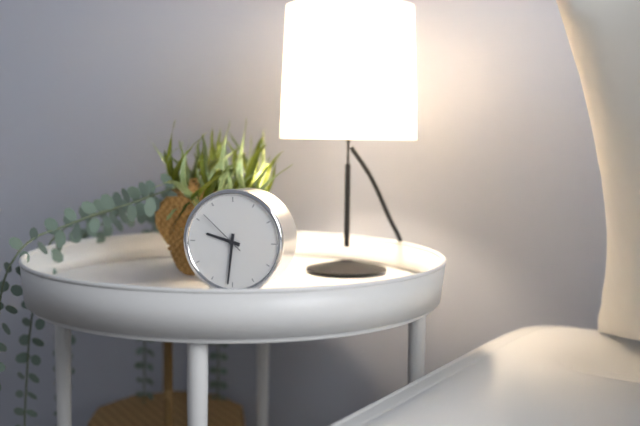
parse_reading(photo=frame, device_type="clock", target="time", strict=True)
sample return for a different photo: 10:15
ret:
9:31
